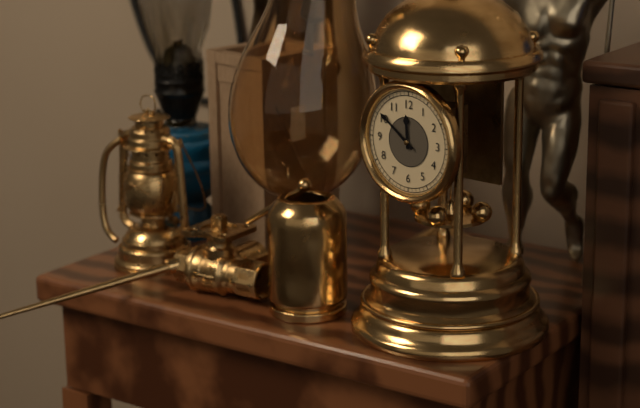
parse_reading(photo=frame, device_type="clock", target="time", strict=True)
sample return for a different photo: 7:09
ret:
11:51
